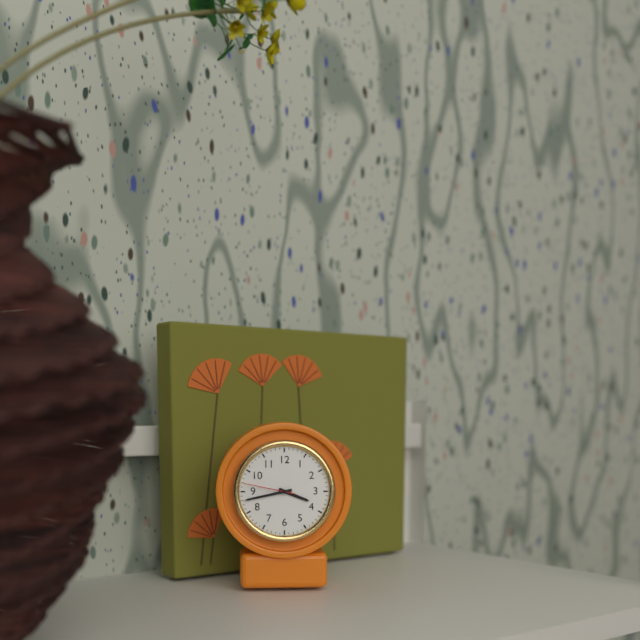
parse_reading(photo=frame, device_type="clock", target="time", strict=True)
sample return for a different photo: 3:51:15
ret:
3:43:47
